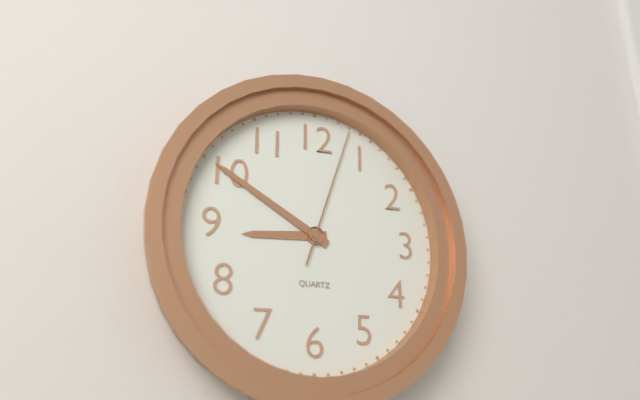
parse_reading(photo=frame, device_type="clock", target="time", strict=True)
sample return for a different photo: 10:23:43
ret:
8:50:03
